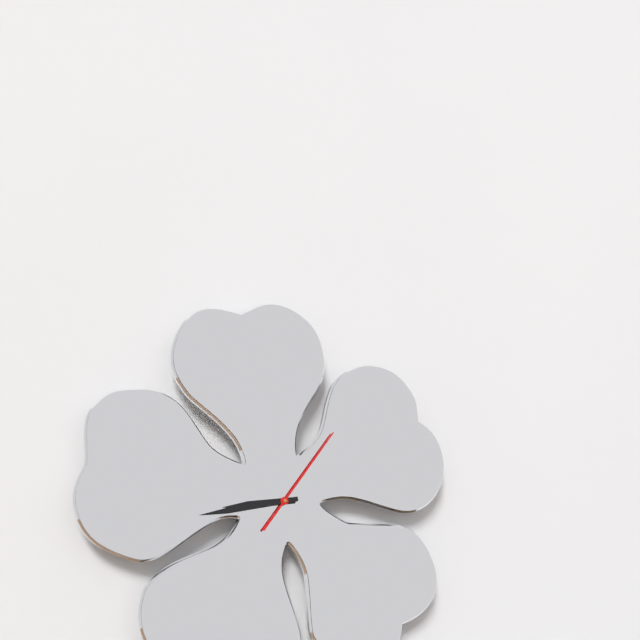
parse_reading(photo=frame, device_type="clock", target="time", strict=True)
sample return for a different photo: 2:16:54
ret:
8:43:06
